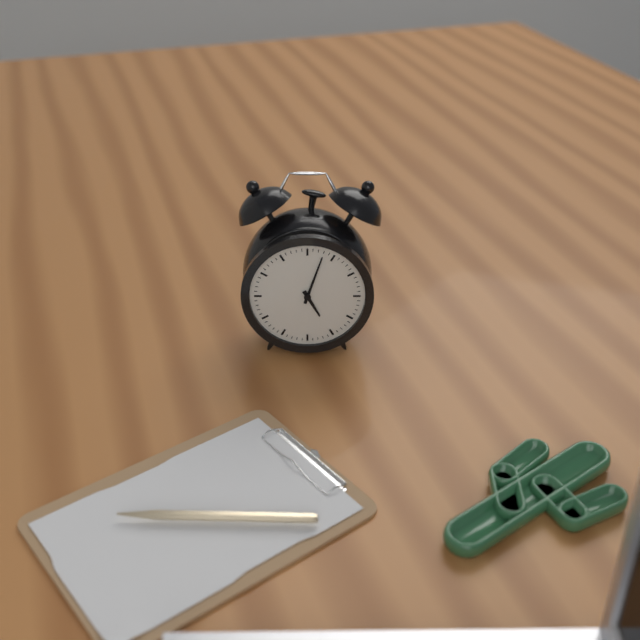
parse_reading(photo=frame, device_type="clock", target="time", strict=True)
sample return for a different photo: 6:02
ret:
5:03
